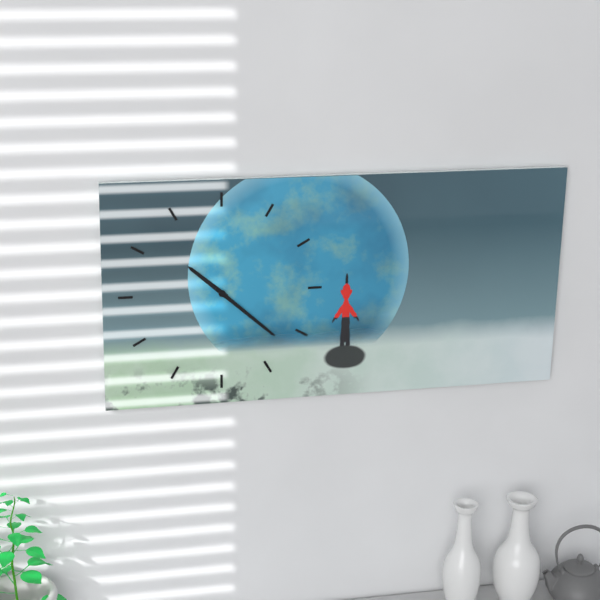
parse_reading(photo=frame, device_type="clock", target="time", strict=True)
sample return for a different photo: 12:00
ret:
10:22
